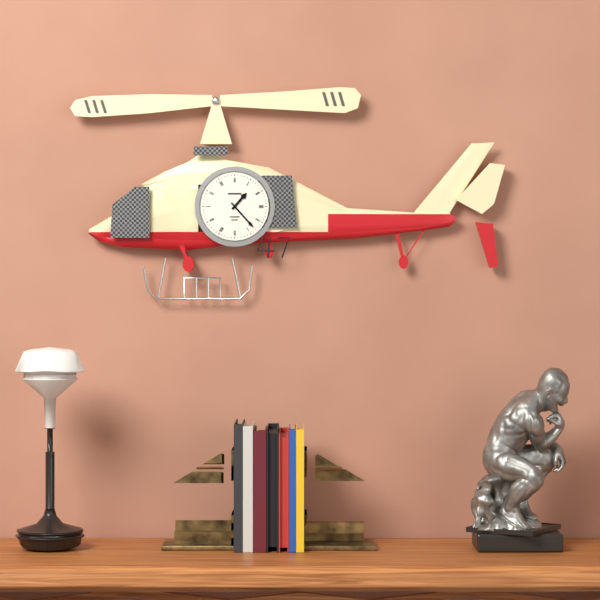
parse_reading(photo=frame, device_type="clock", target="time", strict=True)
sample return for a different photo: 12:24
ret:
1:23
